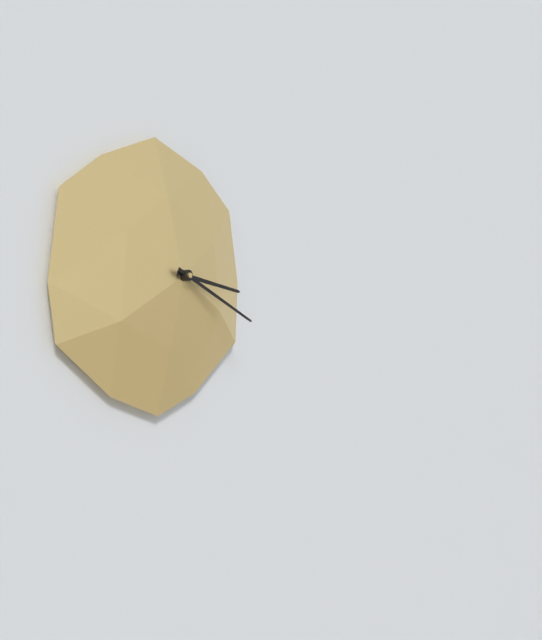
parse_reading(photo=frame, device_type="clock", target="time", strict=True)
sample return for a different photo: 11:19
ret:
3:19
